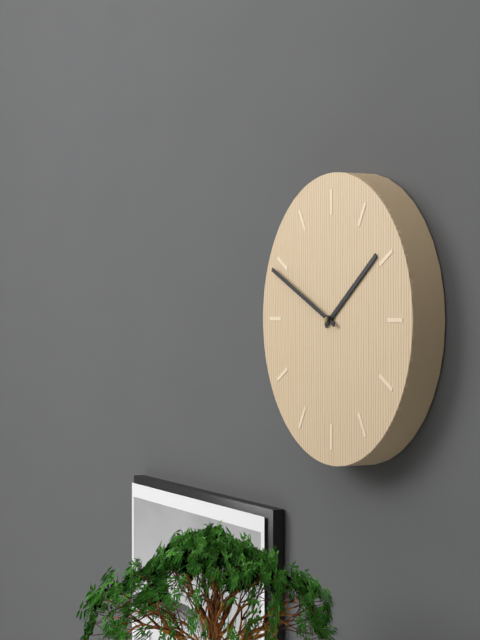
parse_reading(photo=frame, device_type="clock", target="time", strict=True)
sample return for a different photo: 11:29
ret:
1:49
